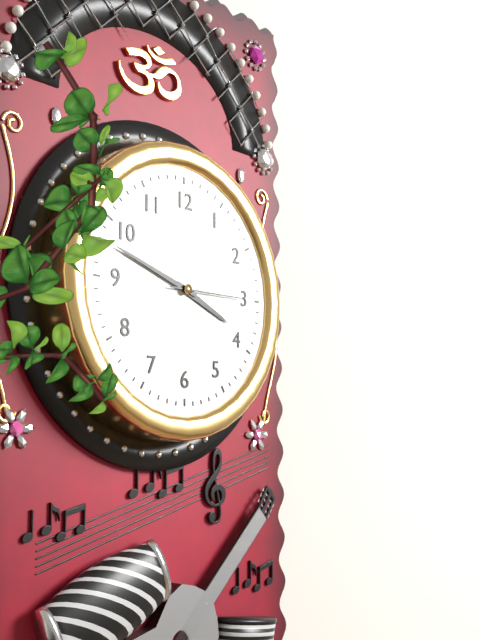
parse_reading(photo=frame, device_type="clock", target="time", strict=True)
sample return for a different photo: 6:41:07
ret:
3:48:15
